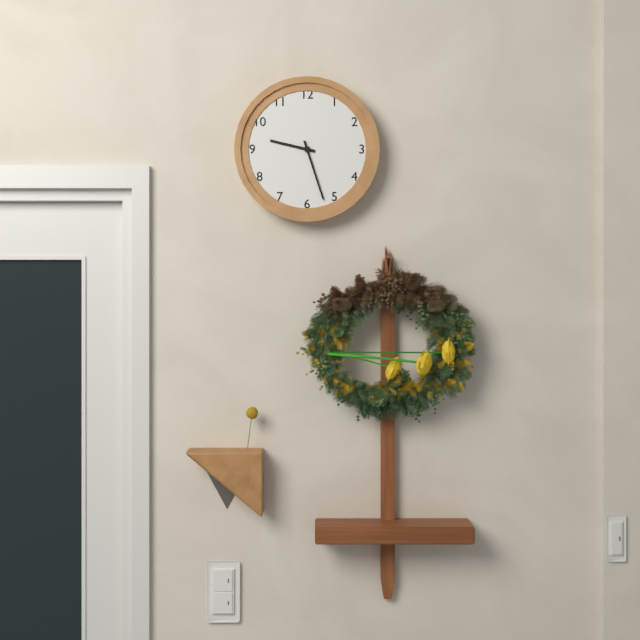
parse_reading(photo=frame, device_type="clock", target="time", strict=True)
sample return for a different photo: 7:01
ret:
9:27
